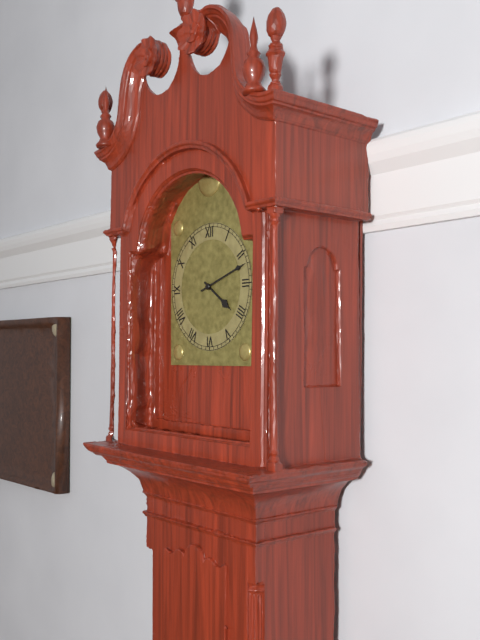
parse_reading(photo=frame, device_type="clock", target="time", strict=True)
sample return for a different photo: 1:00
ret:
4:12
